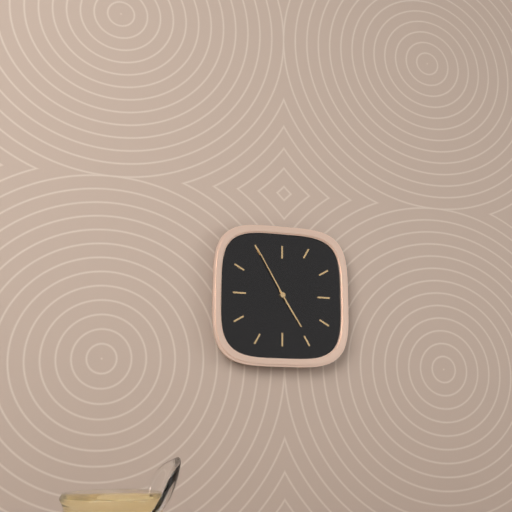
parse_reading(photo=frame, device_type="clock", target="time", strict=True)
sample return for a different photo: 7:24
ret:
4:55
